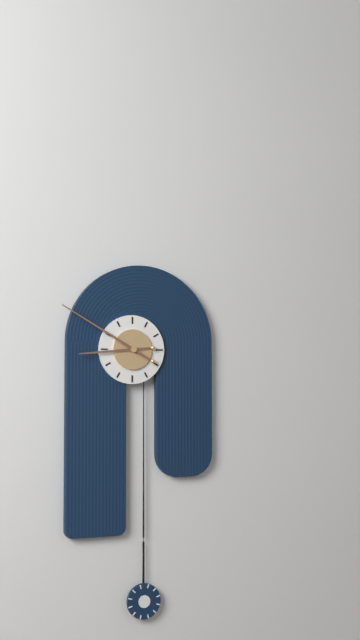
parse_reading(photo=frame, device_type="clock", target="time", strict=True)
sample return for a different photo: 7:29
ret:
8:50
